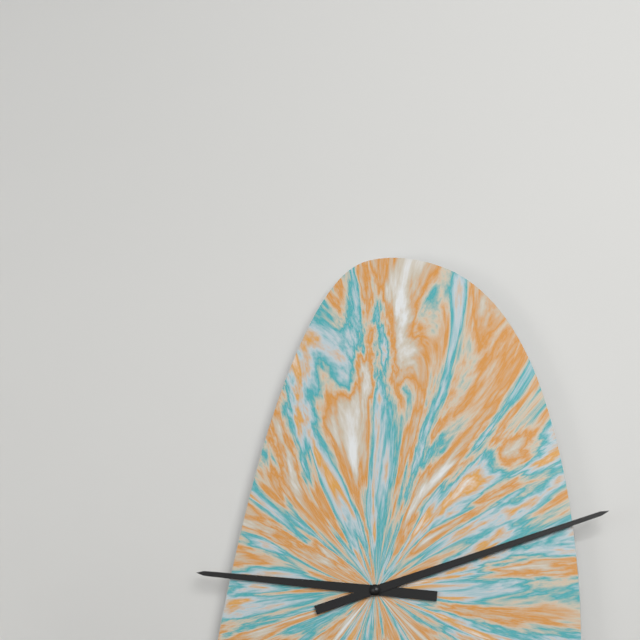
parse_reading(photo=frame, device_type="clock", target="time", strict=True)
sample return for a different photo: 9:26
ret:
9:12
